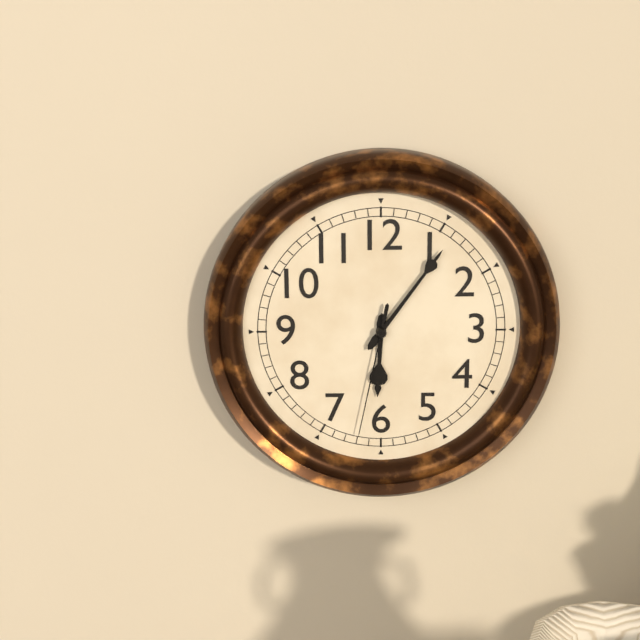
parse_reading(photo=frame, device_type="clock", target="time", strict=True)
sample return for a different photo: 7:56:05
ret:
6:06:32
